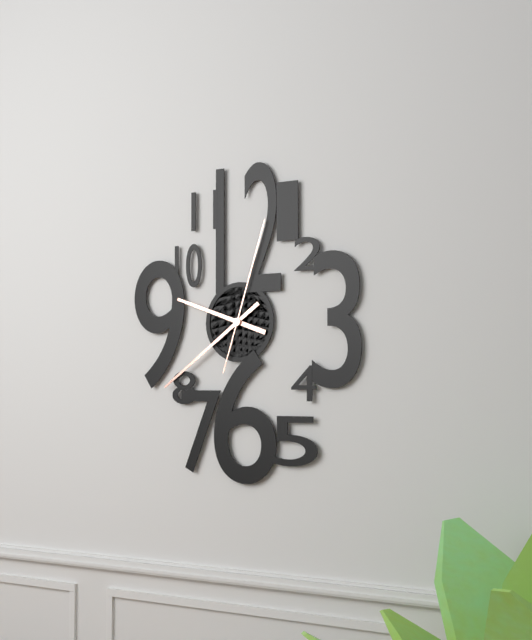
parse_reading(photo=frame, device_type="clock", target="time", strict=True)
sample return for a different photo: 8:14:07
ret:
9:39:03
